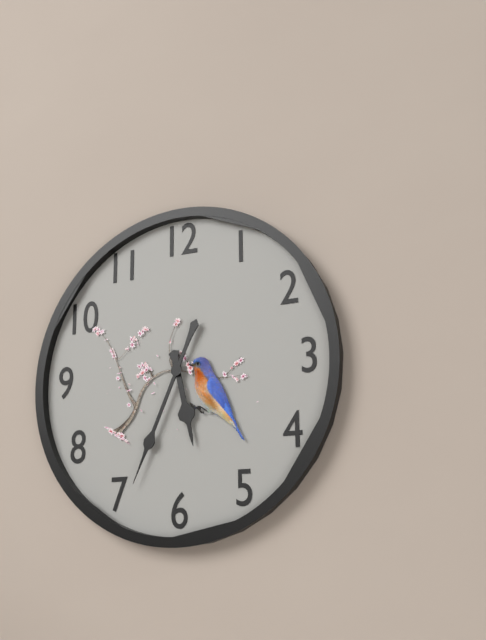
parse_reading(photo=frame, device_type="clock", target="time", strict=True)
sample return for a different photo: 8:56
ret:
5:34
